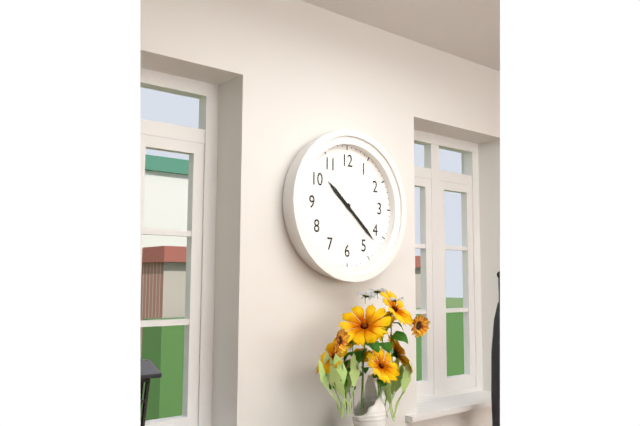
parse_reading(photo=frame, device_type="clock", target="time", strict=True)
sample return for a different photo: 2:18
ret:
10:22
